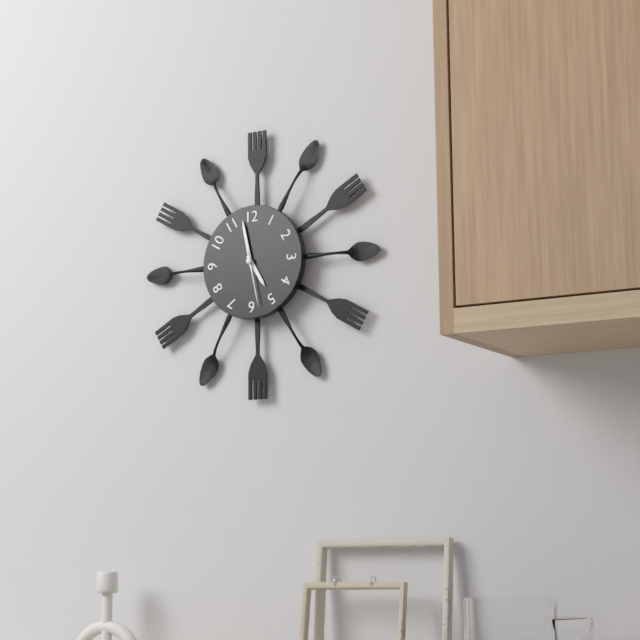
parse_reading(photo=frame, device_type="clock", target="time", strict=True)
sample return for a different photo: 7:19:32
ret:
4:58:28
